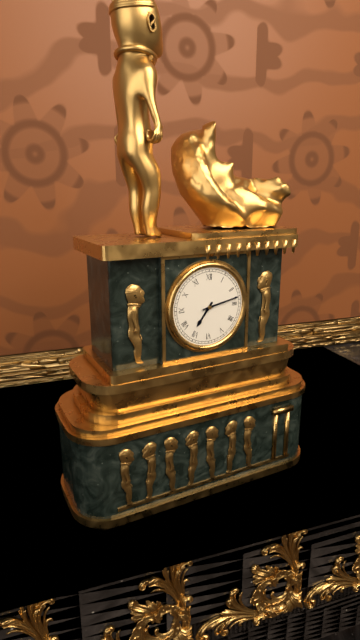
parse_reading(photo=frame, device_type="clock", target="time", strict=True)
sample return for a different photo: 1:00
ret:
7:13
